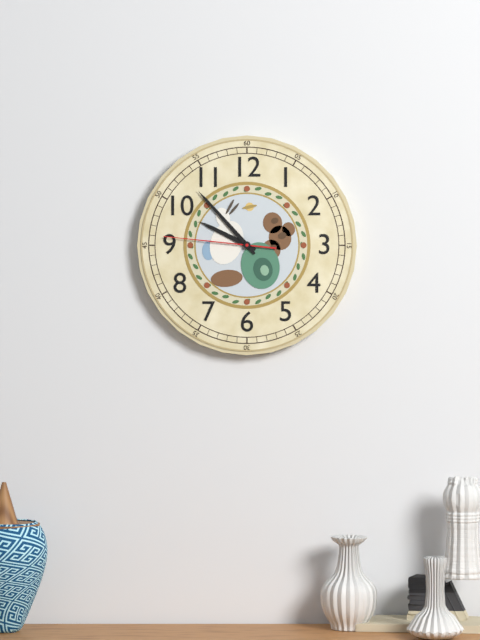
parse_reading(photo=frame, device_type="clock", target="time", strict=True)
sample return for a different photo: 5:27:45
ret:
9:53:46
